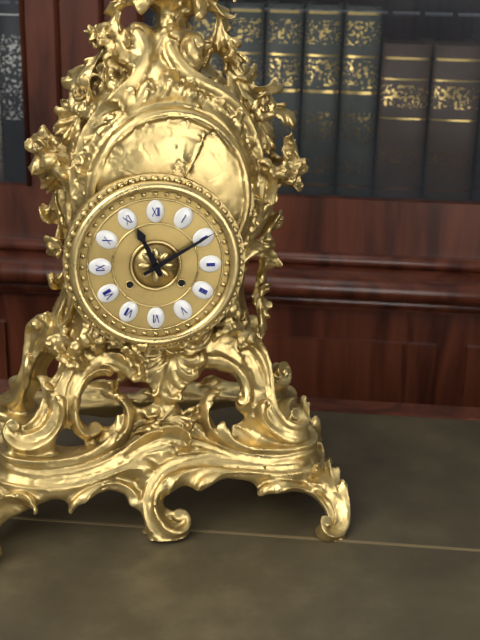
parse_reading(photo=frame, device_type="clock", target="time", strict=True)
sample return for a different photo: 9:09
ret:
11:10
